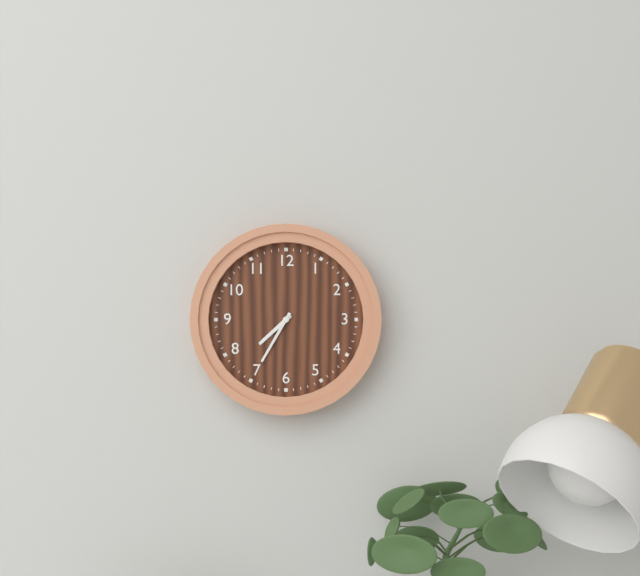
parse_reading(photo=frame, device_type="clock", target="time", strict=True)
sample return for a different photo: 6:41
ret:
7:35
